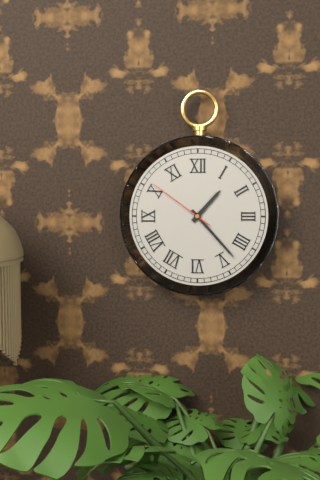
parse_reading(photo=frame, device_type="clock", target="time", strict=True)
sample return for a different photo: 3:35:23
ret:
1:23:51
